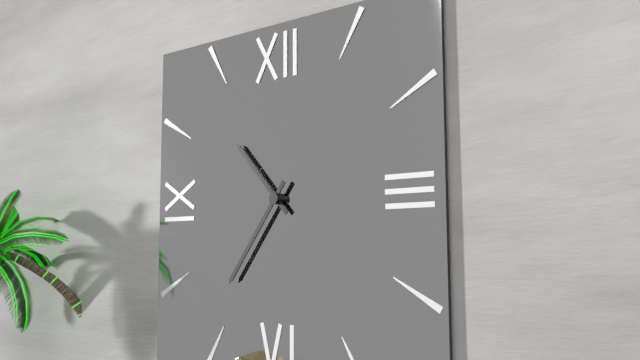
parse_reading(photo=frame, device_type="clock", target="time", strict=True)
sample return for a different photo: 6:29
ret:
10:36
